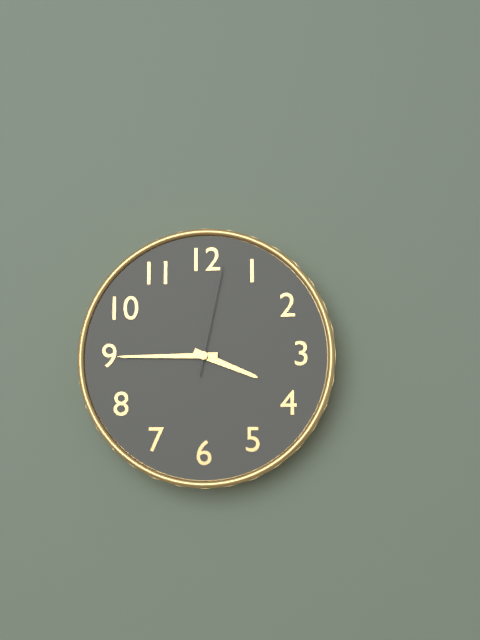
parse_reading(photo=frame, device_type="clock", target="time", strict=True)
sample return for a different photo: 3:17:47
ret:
3:45:02
